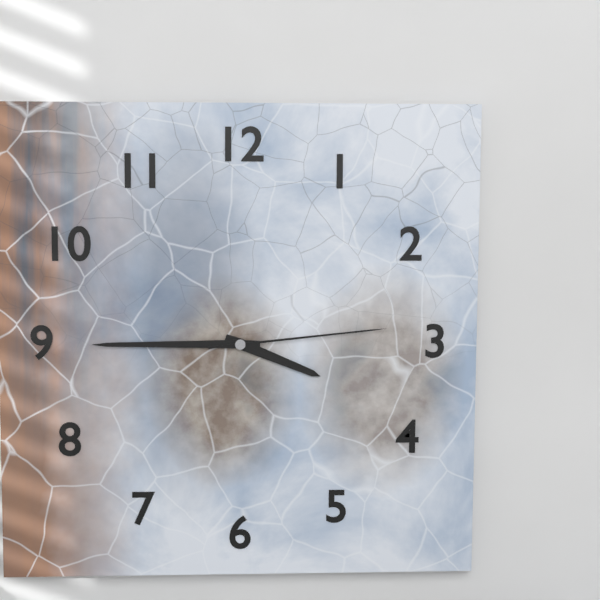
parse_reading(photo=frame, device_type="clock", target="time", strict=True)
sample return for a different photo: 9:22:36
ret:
3:45:14
